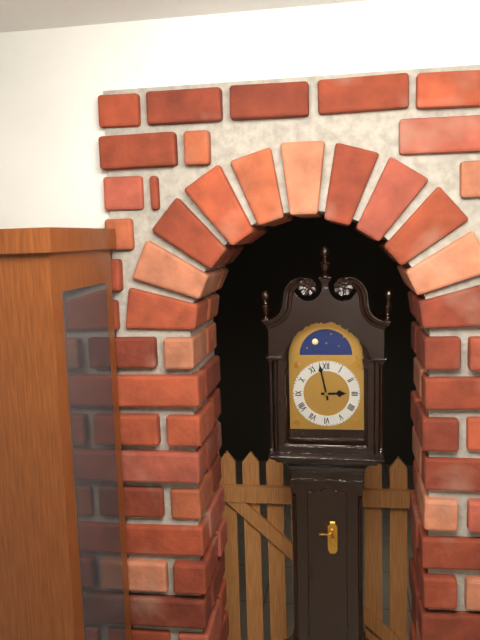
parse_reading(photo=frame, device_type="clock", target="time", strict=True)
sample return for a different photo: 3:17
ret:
2:58
